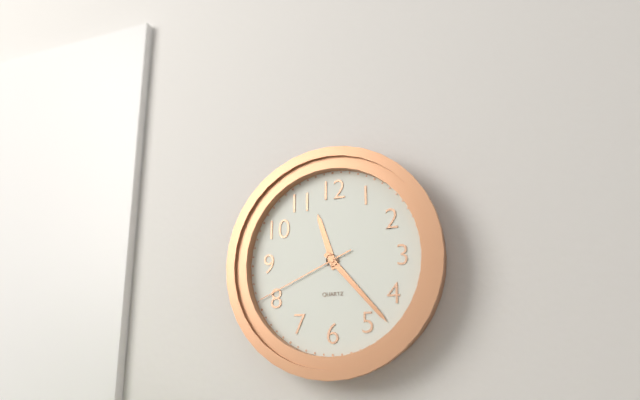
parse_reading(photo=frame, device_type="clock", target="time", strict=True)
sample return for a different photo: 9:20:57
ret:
11:23:41
